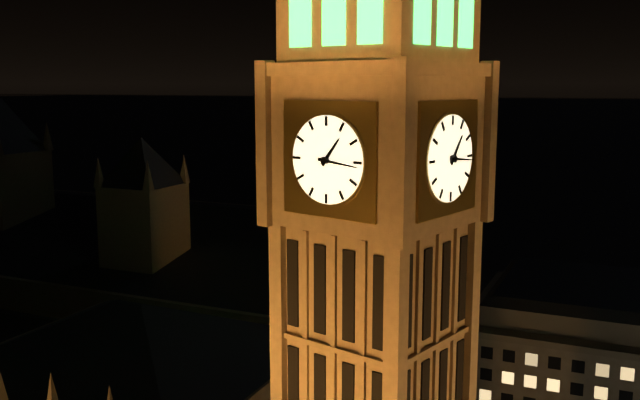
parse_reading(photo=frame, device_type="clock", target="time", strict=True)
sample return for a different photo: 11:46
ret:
1:16
